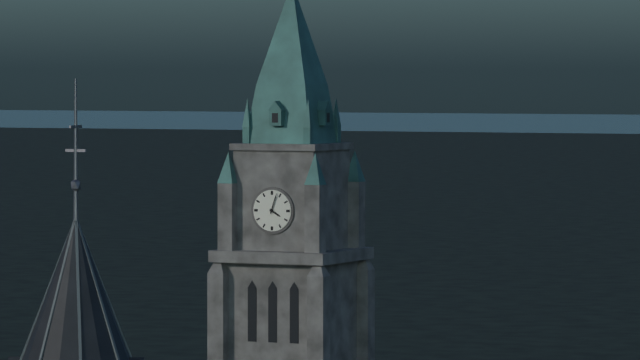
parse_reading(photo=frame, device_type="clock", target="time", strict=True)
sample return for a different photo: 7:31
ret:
4:03
